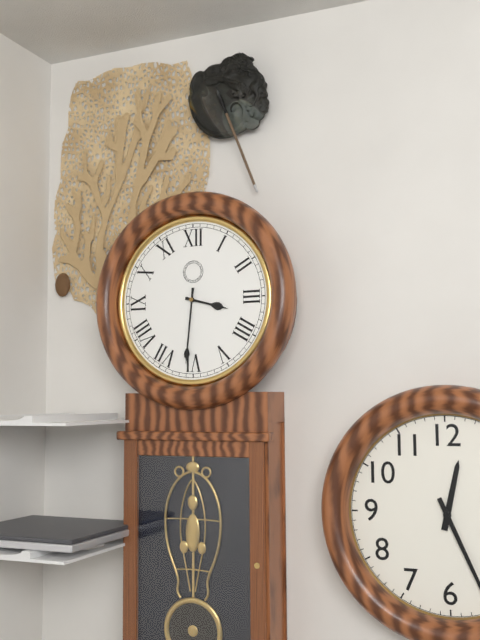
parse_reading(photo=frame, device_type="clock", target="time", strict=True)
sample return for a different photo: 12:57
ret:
3:31
